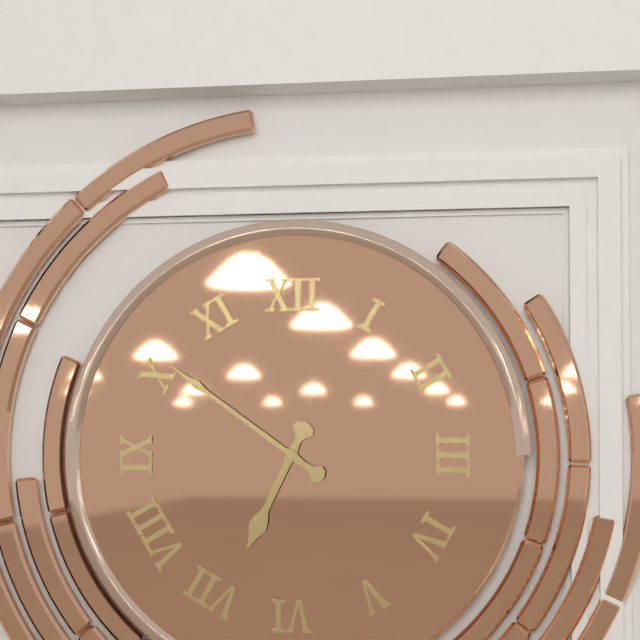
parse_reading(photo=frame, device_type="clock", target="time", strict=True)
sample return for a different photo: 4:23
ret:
6:51
